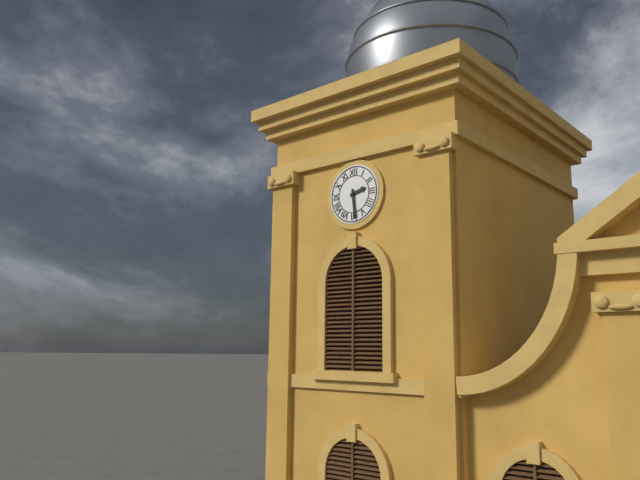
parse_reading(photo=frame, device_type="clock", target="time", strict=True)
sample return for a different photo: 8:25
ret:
2:29
